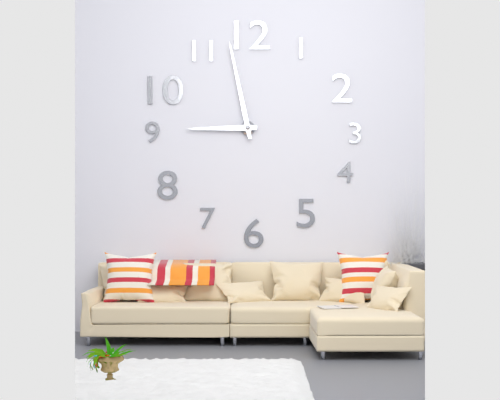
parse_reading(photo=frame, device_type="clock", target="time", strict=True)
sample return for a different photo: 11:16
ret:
8:58
